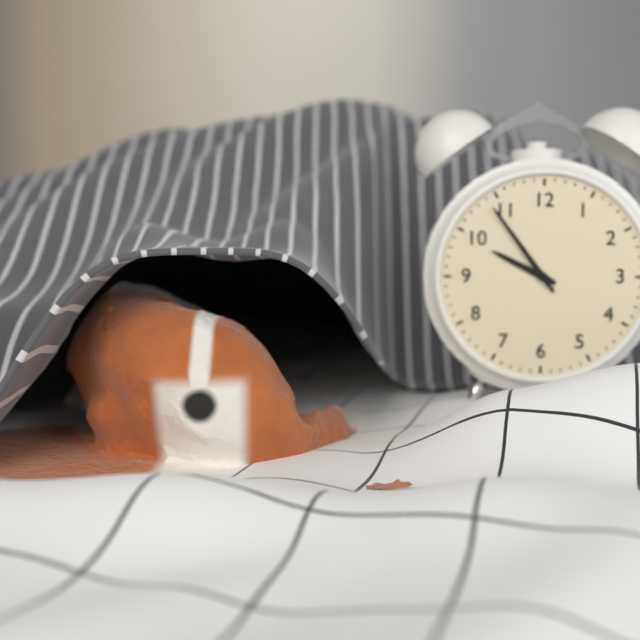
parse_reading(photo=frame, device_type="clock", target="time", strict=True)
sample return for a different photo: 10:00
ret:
9:54
